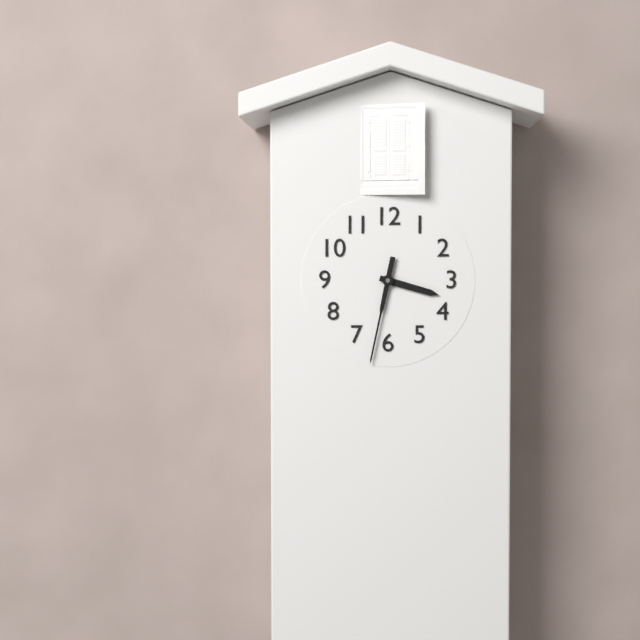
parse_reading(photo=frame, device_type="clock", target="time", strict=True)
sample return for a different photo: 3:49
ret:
3:32
